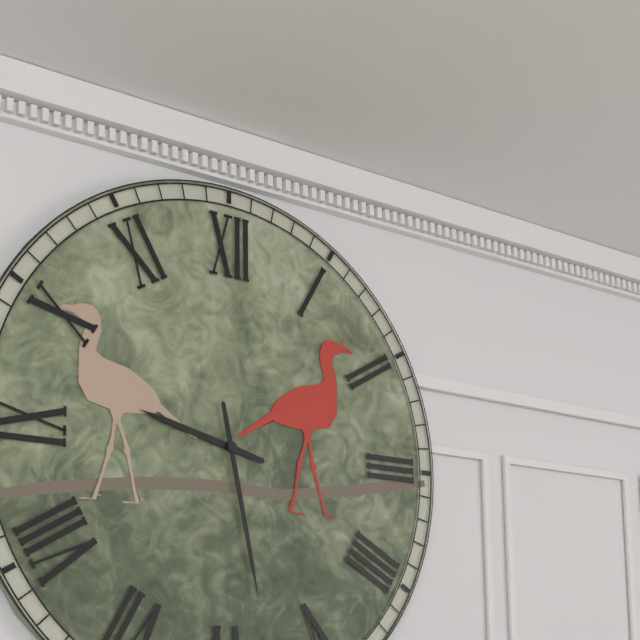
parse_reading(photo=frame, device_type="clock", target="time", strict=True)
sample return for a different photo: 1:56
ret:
9:28
